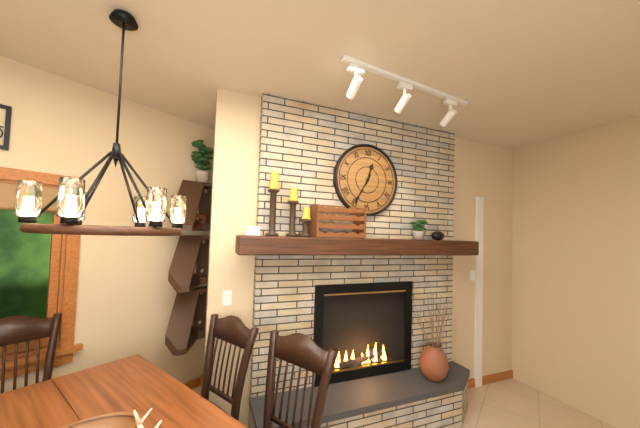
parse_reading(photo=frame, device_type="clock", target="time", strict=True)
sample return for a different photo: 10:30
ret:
12:35
